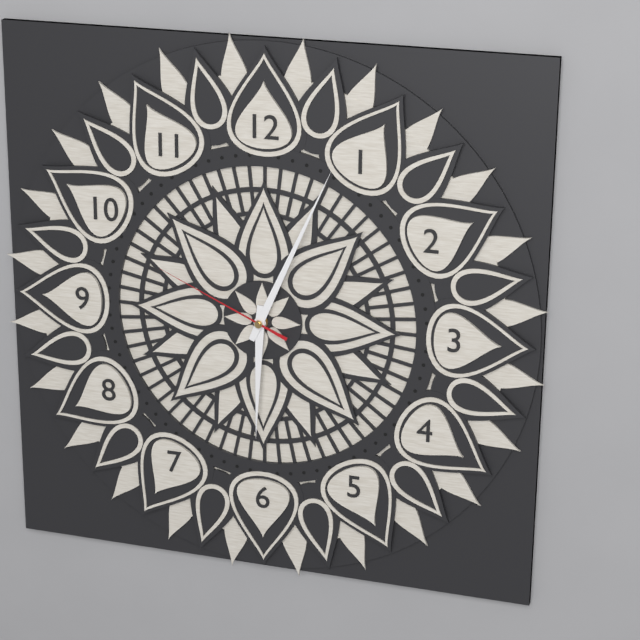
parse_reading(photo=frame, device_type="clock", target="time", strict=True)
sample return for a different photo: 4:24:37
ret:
6:04:49
